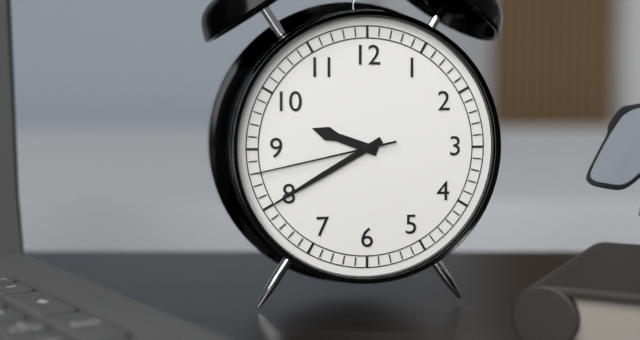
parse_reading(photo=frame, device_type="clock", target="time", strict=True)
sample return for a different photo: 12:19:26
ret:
9:40:43
